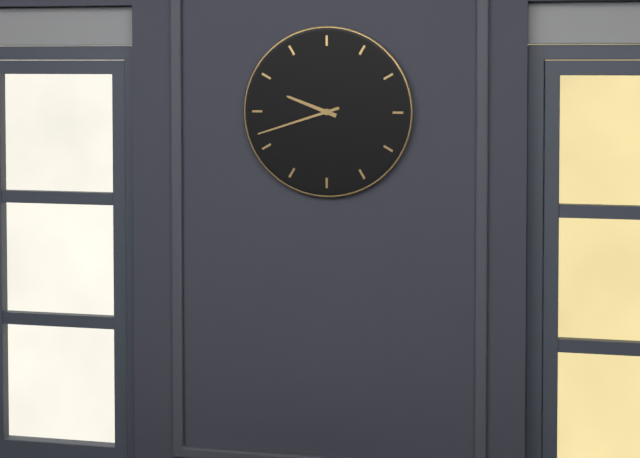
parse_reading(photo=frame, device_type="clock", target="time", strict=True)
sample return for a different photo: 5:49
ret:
9:42
